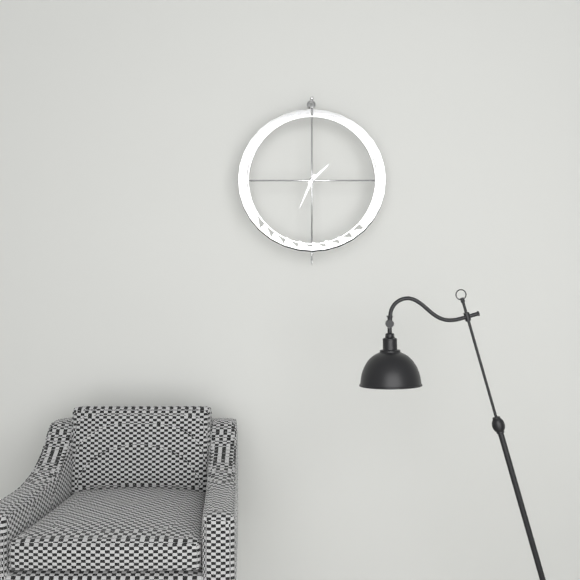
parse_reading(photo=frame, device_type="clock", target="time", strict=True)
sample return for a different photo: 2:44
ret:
1:34
